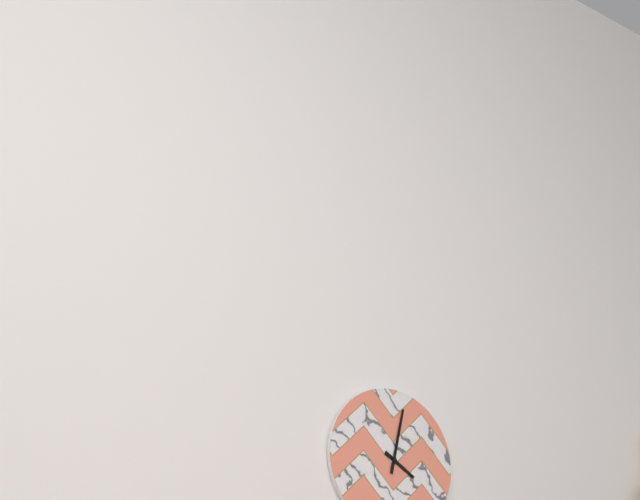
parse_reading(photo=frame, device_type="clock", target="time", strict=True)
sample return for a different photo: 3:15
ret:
4:02
